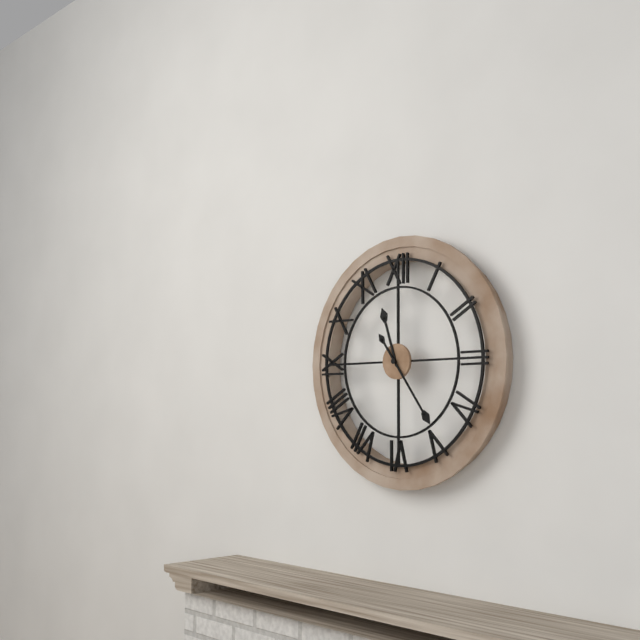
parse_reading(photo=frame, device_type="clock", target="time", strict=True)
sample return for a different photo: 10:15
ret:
11:24
